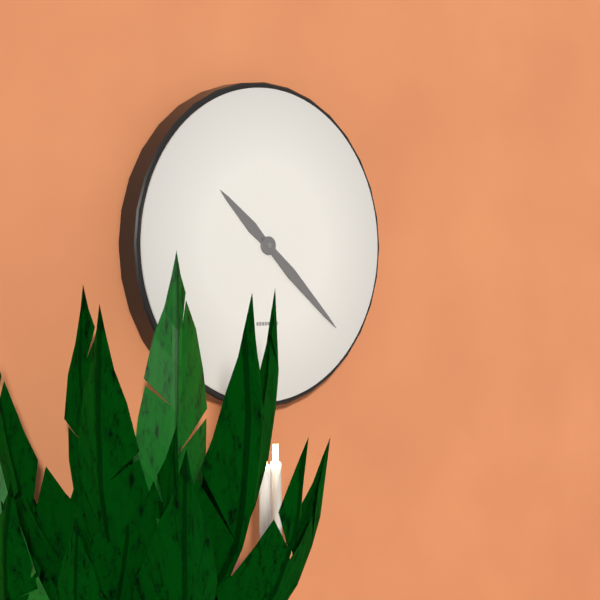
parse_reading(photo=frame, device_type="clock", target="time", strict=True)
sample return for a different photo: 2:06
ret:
10:22
